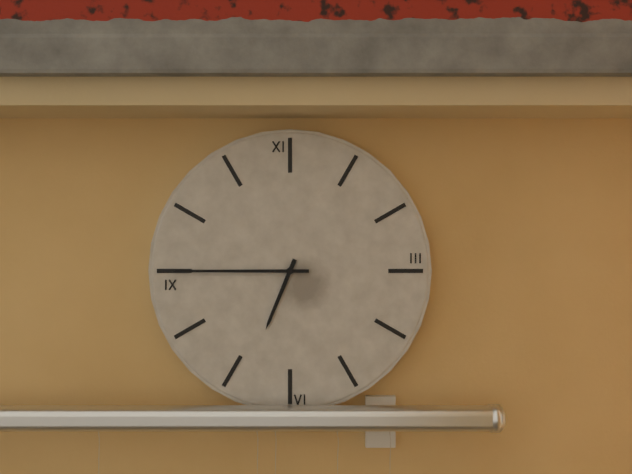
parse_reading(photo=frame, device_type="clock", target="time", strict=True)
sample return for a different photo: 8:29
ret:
6:45
